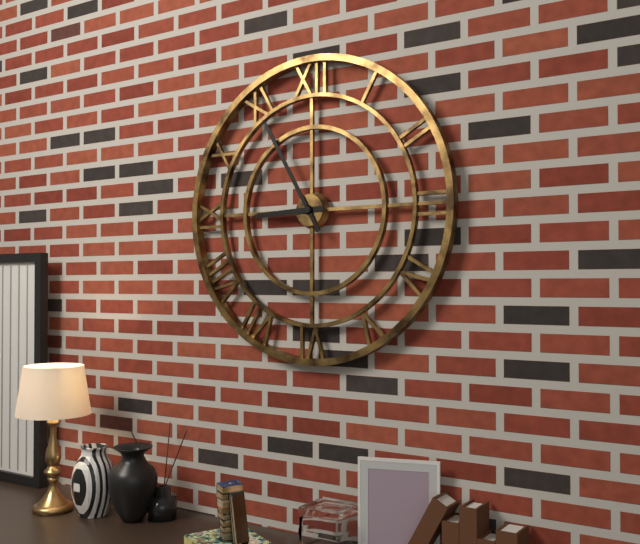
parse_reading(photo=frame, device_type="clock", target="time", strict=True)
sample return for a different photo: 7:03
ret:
8:55
